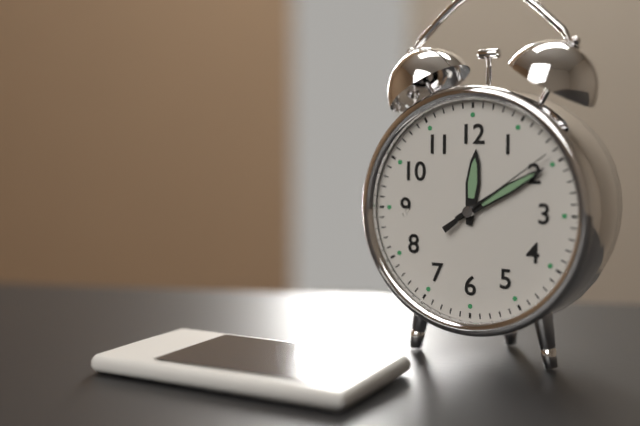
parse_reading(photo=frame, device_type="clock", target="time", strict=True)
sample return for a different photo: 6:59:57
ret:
12:10:09
